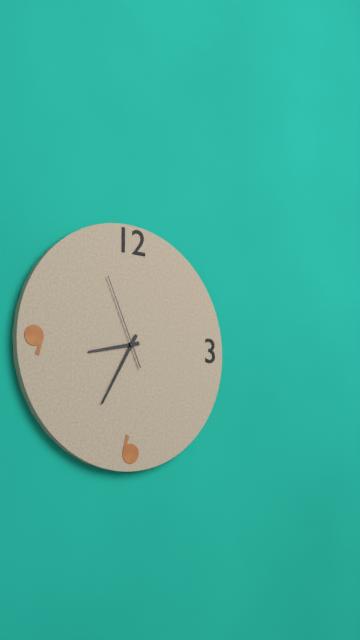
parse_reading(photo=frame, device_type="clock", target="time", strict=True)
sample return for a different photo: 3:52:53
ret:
8:35:56
